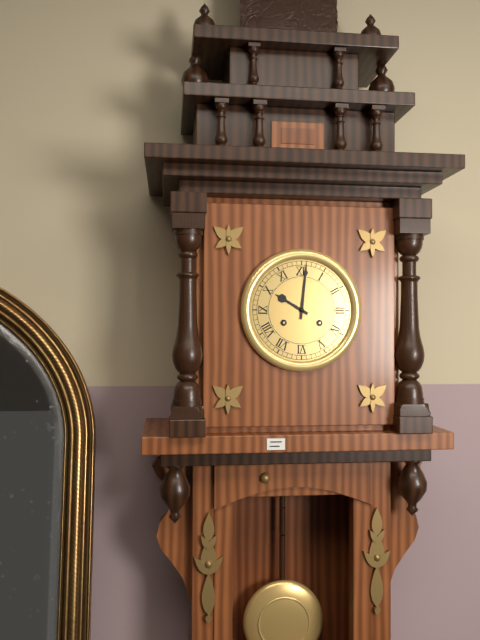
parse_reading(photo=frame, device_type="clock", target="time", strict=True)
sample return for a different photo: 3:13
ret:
10:01
